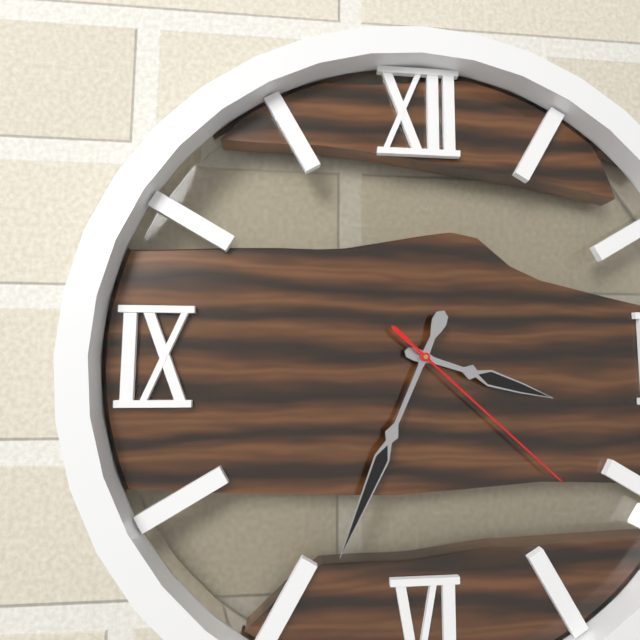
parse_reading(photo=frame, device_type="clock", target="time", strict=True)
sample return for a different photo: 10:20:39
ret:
3:34:22
